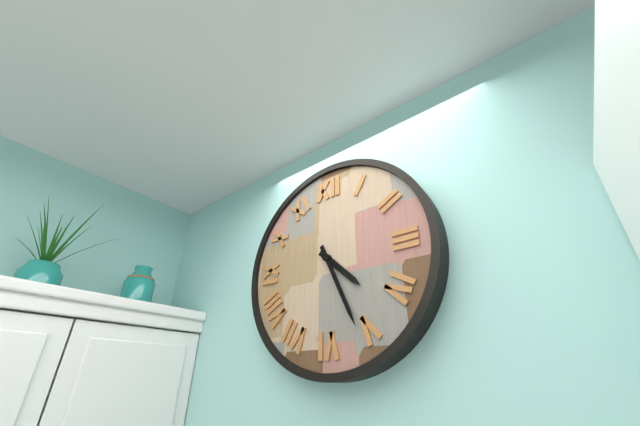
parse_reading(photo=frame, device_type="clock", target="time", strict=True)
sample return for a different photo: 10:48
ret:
4:26
